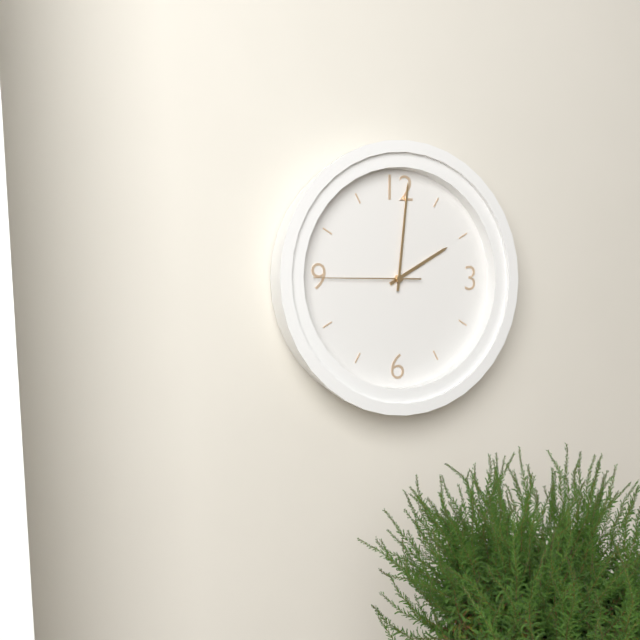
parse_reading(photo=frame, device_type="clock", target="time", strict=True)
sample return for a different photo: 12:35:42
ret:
2:01:45
